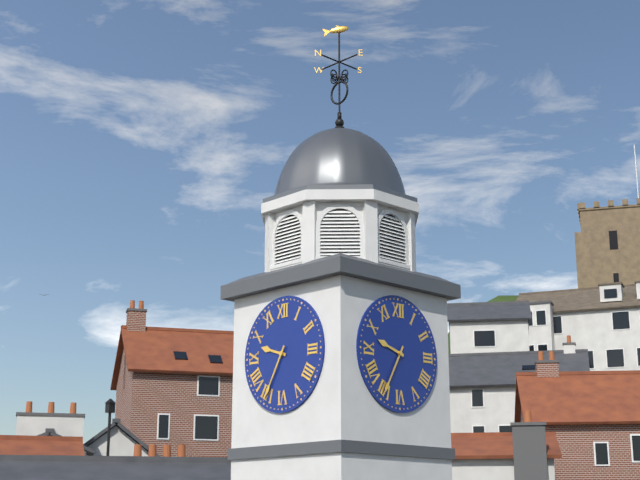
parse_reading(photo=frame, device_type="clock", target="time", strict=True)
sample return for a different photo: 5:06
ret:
9:35
